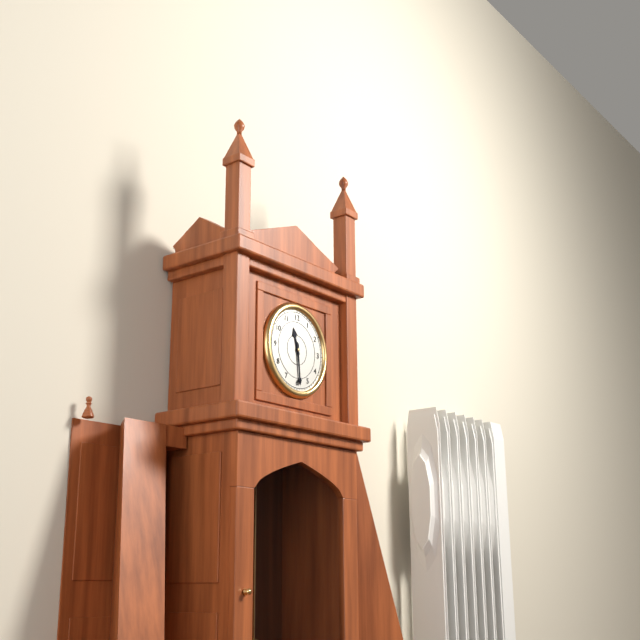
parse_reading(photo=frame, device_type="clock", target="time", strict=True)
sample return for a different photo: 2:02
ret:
11:29
